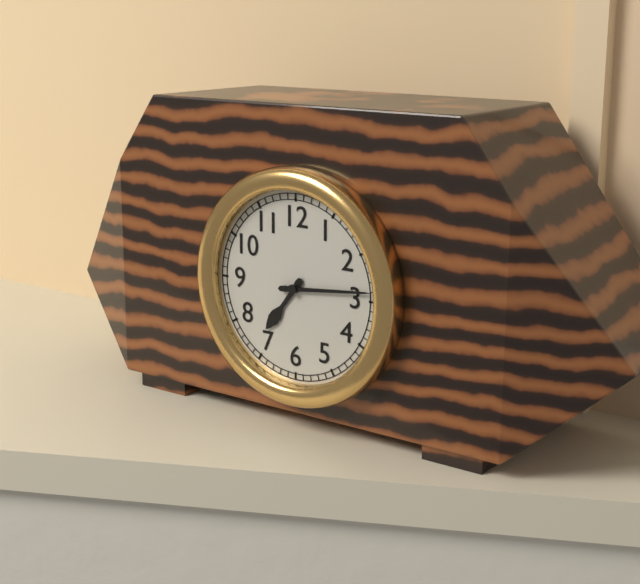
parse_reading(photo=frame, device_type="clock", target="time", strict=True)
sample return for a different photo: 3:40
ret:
7:14
